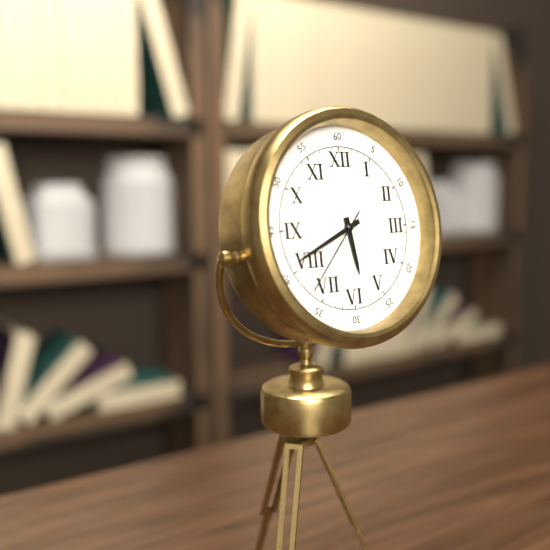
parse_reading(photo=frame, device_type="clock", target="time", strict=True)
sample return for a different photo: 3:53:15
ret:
5:41:37
